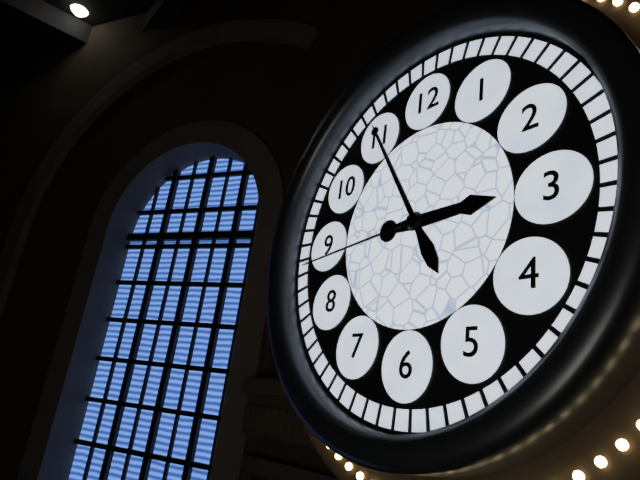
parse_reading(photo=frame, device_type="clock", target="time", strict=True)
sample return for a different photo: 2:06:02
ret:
2:55:44
